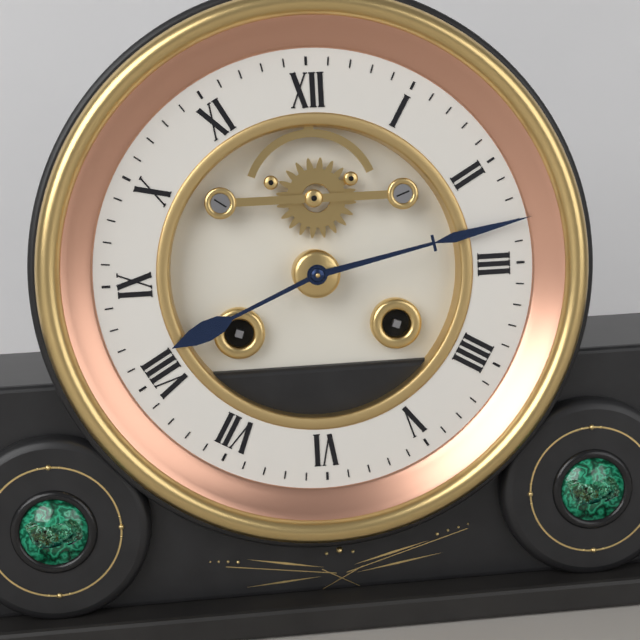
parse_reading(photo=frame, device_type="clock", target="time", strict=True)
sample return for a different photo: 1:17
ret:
8:13
